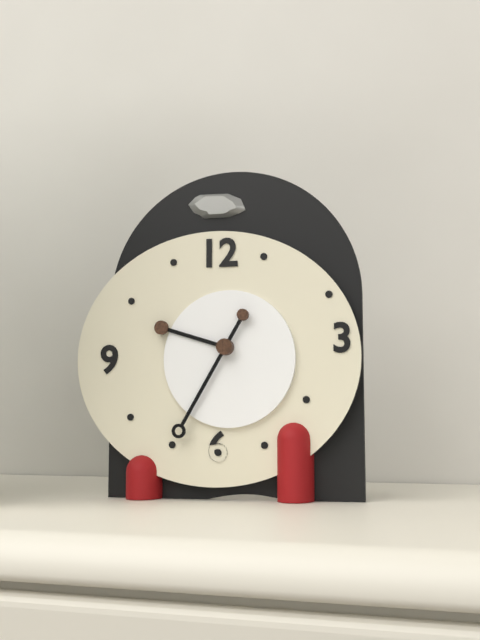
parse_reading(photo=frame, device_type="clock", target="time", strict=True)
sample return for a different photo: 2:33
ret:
9:35
